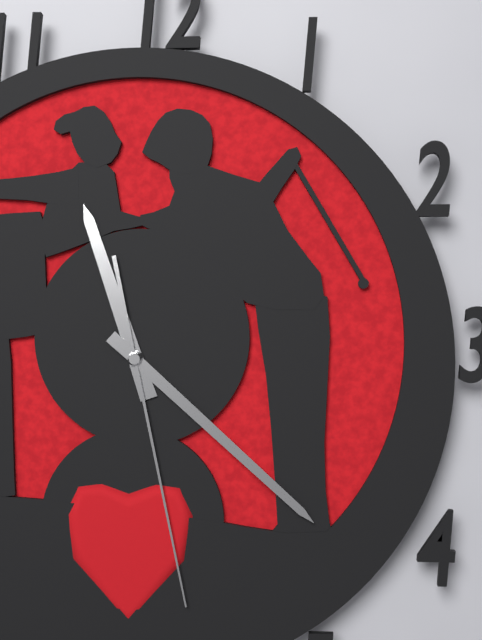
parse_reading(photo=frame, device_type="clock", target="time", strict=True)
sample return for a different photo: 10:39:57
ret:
11:22:28
